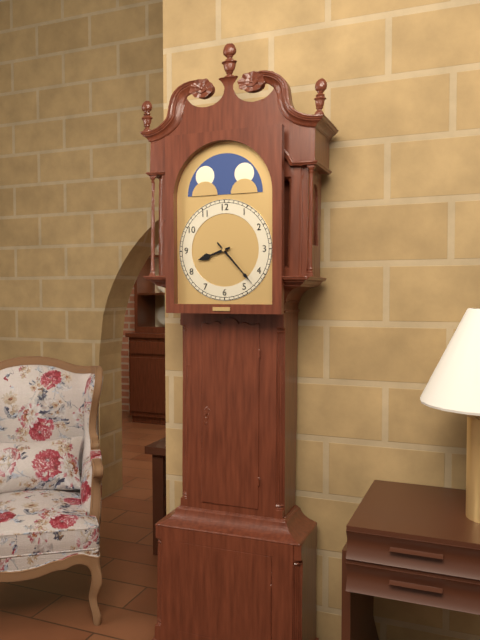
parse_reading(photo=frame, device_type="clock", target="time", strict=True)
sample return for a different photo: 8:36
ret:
8:23
